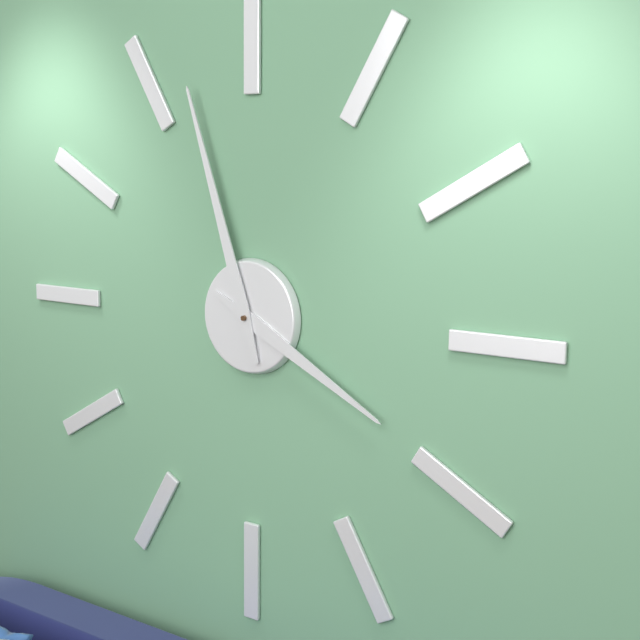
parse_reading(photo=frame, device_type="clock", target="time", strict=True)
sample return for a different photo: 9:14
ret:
3:57
